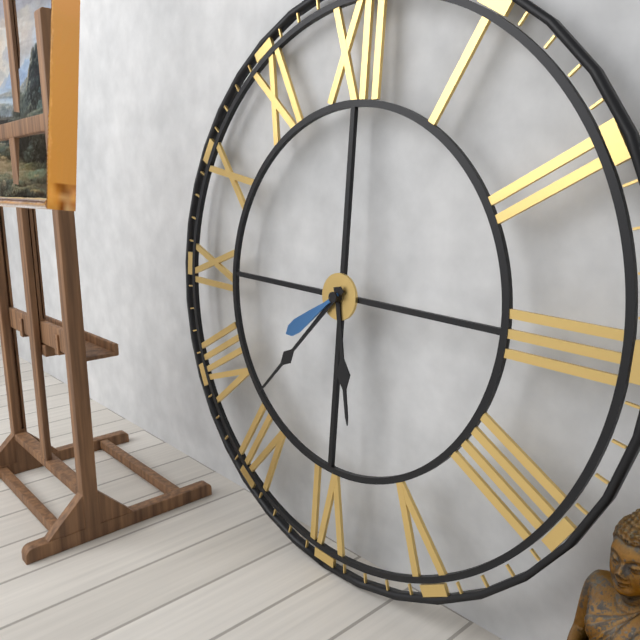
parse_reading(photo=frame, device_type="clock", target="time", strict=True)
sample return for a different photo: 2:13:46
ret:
5:37:39
